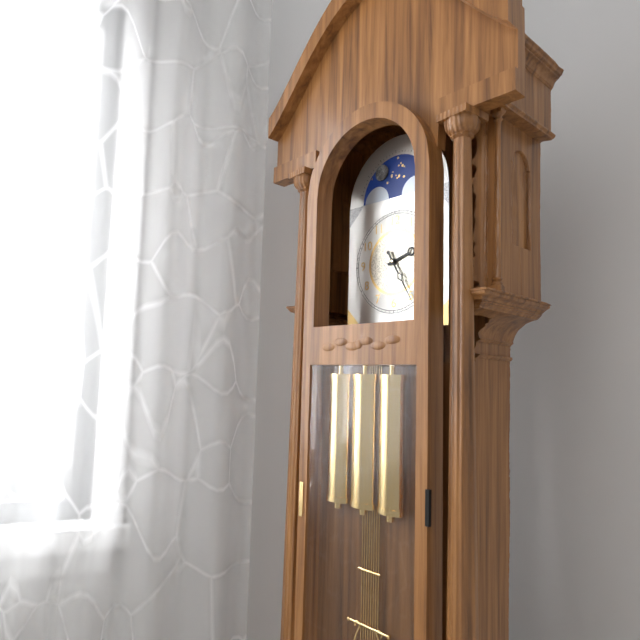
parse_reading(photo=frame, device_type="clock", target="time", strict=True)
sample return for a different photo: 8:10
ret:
2:25
